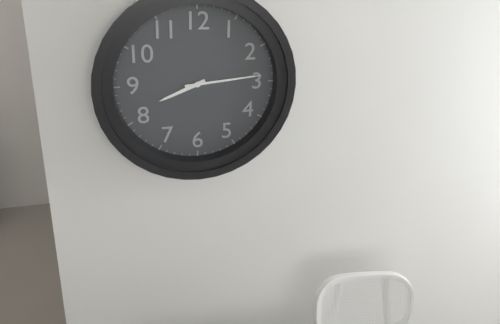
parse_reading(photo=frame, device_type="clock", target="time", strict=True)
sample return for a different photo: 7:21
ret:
8:14
